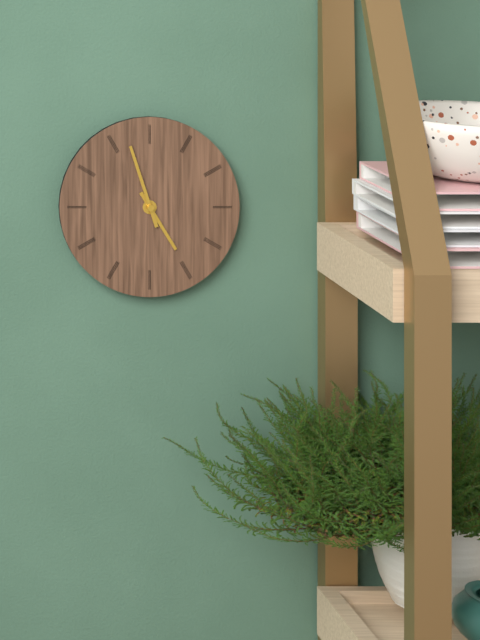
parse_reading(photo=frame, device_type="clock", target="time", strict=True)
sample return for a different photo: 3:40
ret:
4:57
